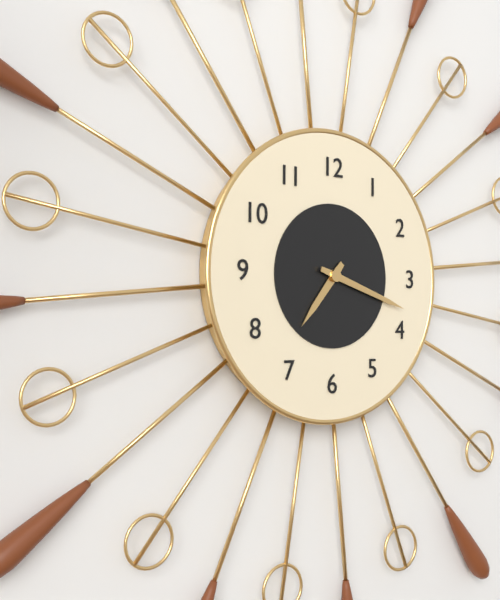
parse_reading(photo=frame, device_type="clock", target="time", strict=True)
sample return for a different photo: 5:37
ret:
7:18
